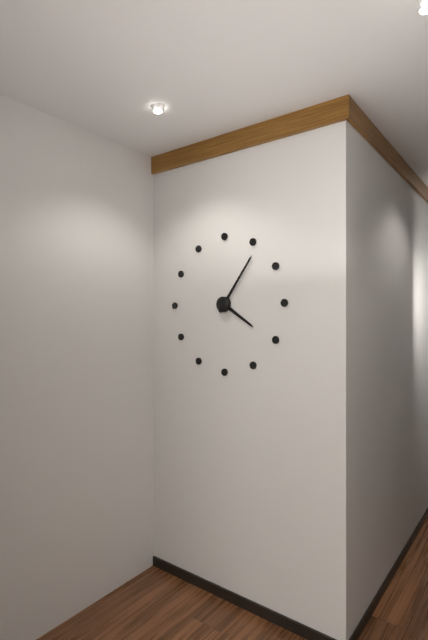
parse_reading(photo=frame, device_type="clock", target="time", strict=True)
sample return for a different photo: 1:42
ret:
4:06
